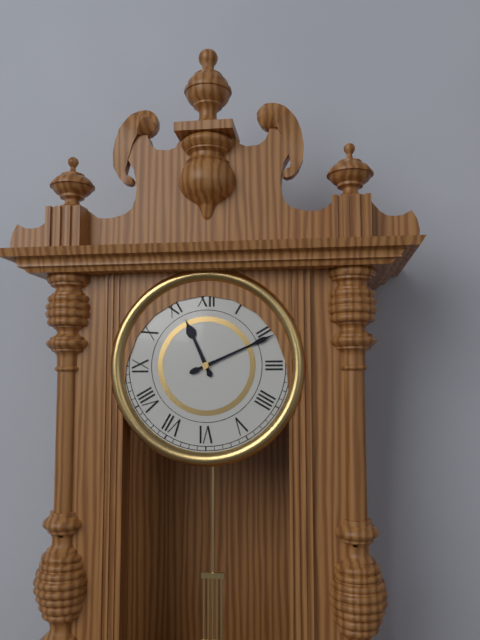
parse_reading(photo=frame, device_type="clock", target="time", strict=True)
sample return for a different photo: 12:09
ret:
11:11
